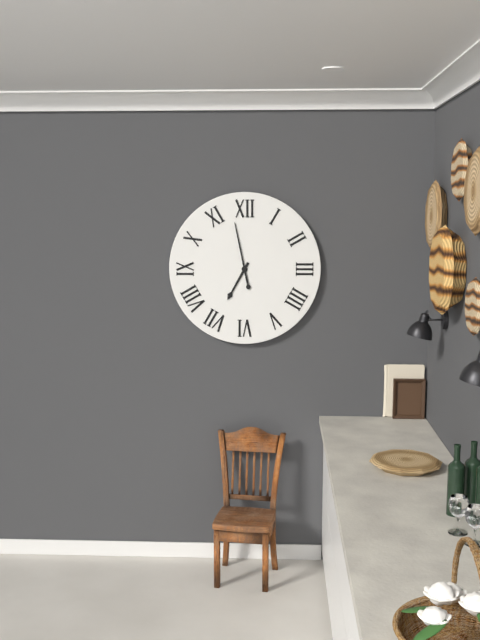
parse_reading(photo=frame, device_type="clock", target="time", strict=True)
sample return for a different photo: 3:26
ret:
6:58
